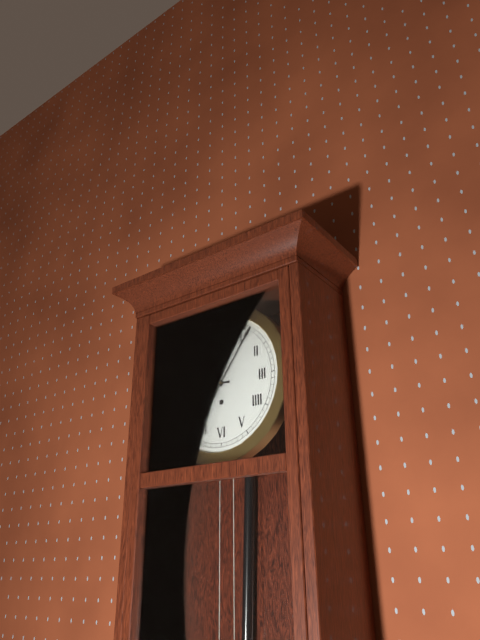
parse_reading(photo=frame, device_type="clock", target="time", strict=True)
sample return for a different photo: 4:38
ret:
9:06
